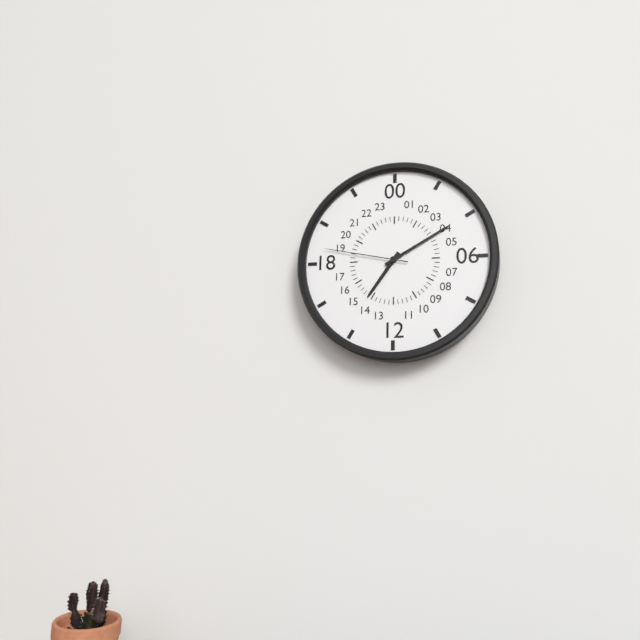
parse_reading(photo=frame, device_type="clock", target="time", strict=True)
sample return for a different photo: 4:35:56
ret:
7:10:47
